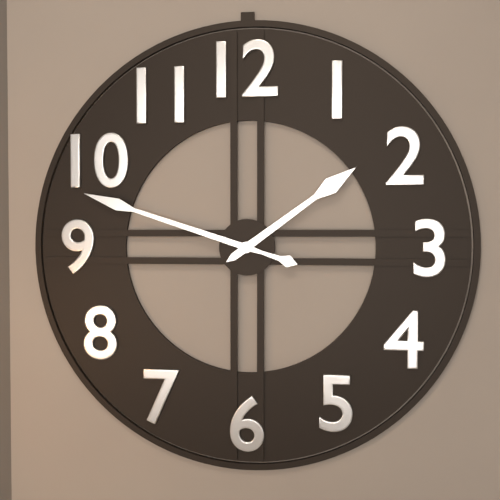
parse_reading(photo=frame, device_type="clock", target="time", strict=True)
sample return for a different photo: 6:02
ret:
1:48
